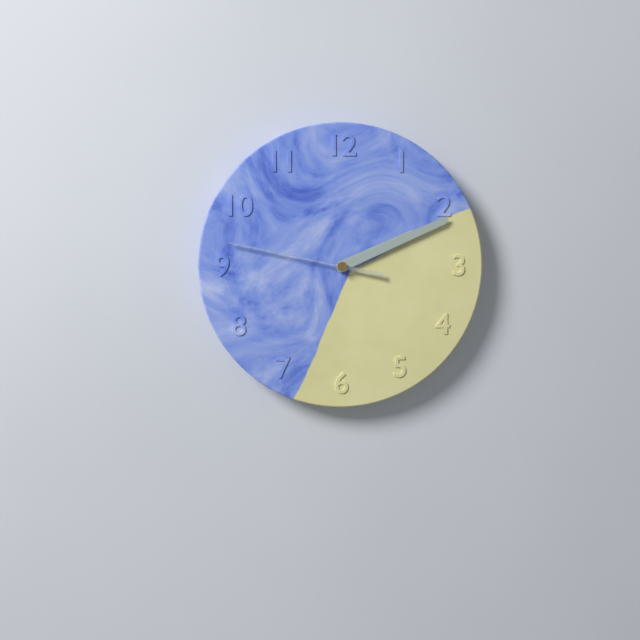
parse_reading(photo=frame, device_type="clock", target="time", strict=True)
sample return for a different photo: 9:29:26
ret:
2:11:47
